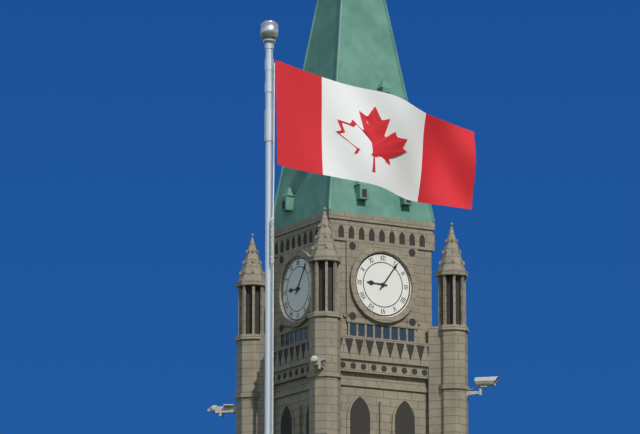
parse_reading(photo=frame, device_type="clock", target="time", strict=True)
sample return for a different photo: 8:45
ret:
9:06
